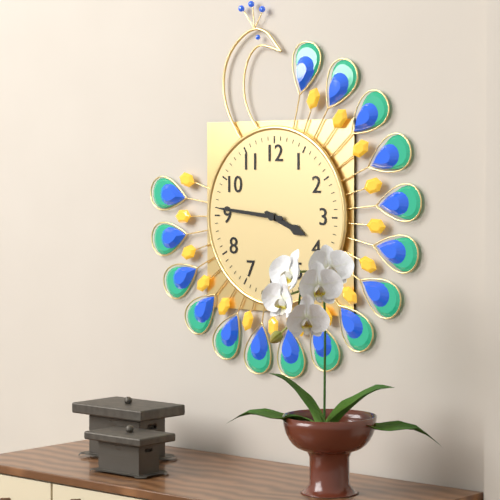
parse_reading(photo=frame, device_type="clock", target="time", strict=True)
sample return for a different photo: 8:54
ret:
3:46
